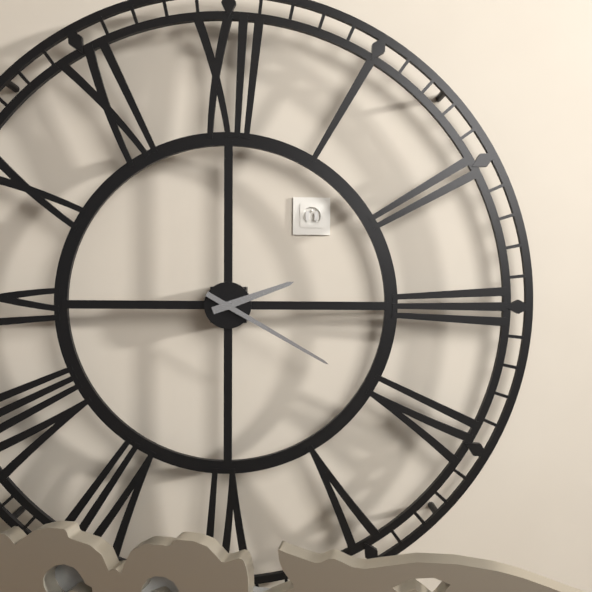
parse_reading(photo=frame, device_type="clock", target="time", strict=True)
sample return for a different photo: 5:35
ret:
2:20
